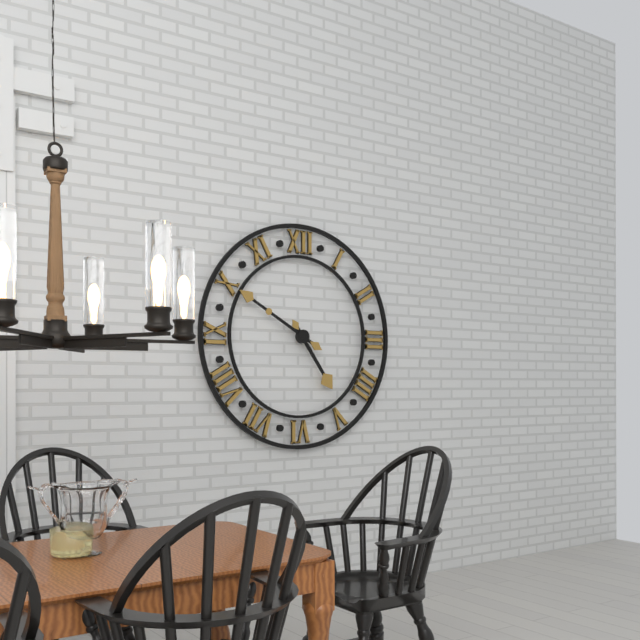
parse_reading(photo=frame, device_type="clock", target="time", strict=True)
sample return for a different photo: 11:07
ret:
4:50
